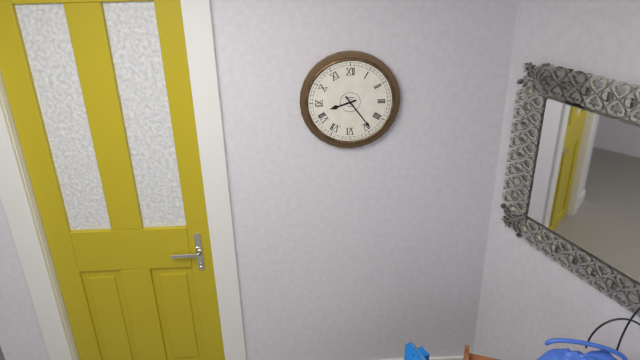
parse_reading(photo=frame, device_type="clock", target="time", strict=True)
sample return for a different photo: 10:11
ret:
8:24
